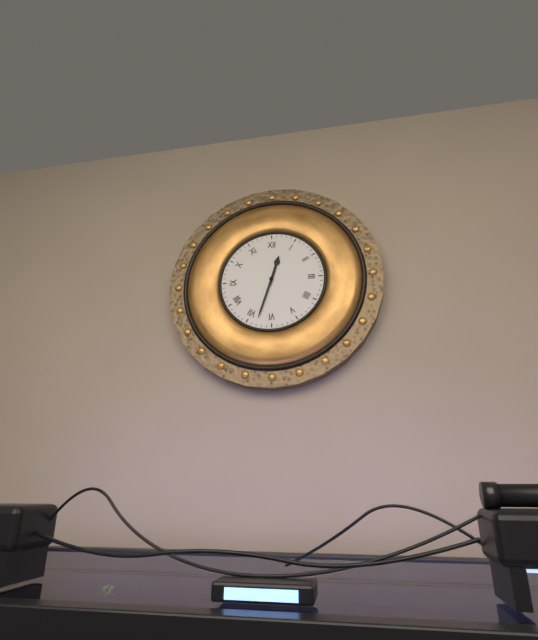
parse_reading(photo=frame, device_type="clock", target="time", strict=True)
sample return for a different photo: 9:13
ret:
12:33
